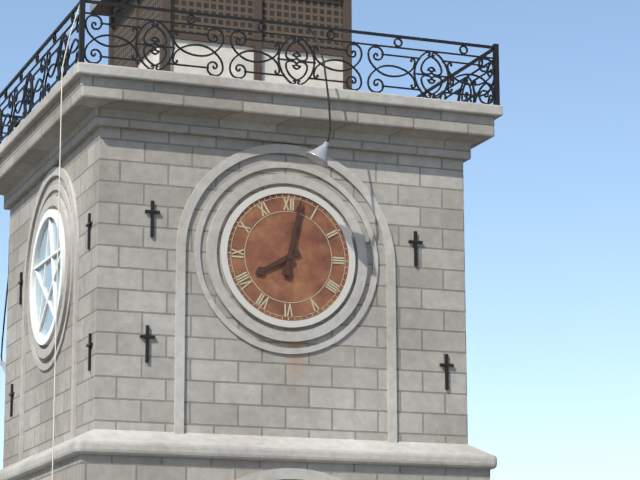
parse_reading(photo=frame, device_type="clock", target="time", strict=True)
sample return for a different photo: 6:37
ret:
8:02
